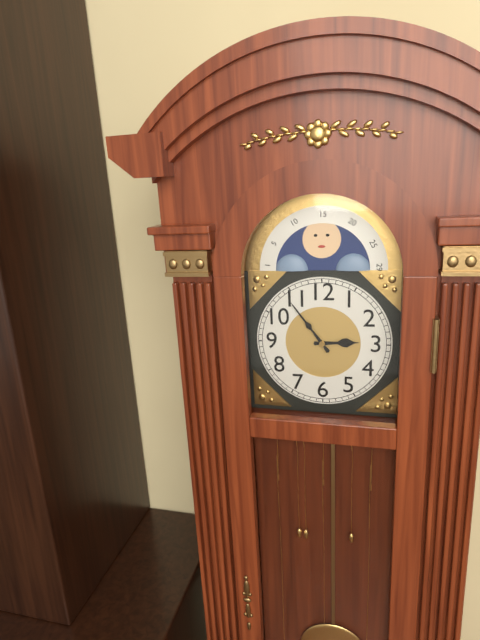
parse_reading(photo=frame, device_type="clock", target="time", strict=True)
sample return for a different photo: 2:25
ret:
2:54
